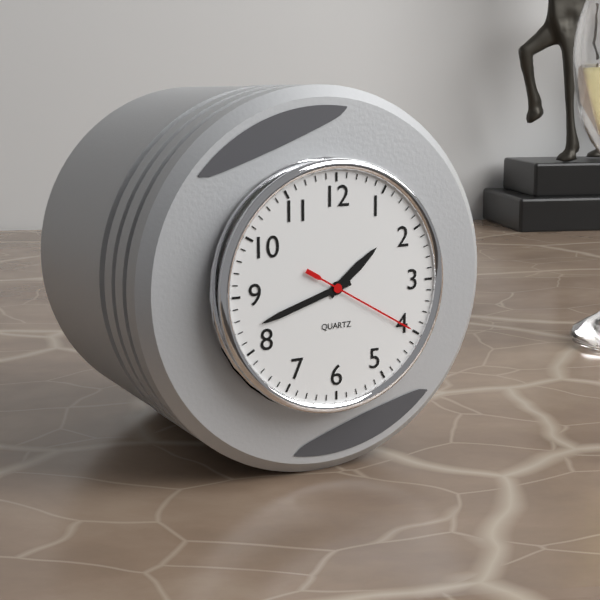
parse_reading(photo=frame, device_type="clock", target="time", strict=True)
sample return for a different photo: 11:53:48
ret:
1:42:20
